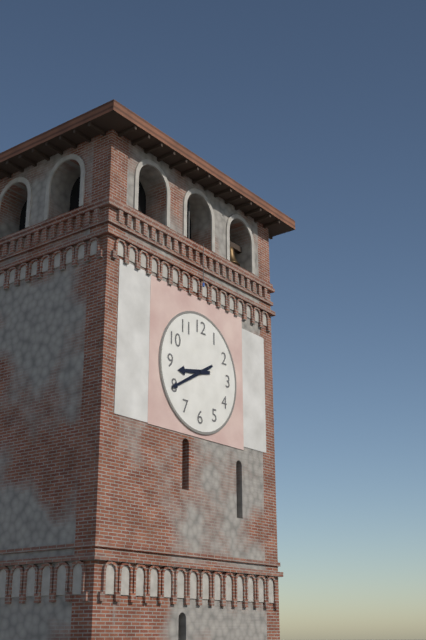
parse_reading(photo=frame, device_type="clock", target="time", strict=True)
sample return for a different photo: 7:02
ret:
8:40
